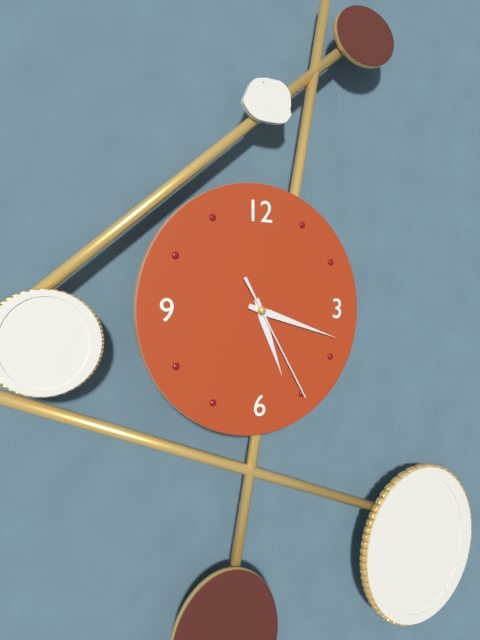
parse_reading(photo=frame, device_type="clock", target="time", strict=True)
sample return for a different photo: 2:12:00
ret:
5:18:25
